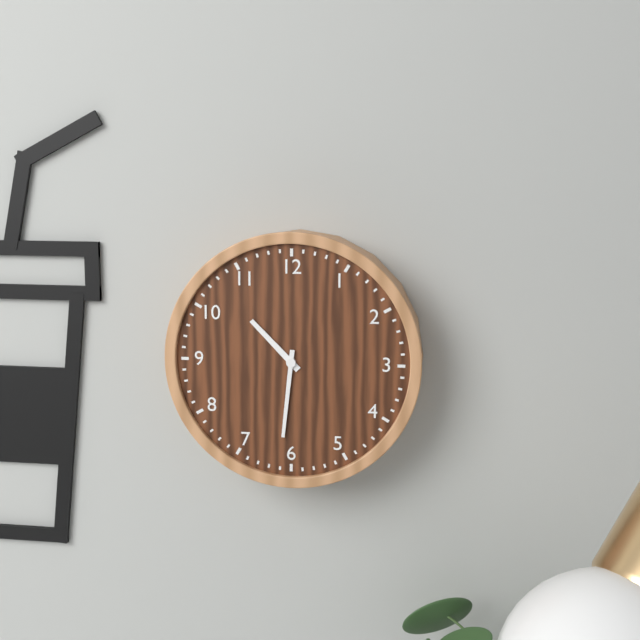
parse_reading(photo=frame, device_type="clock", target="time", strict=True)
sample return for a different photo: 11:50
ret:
10:31
